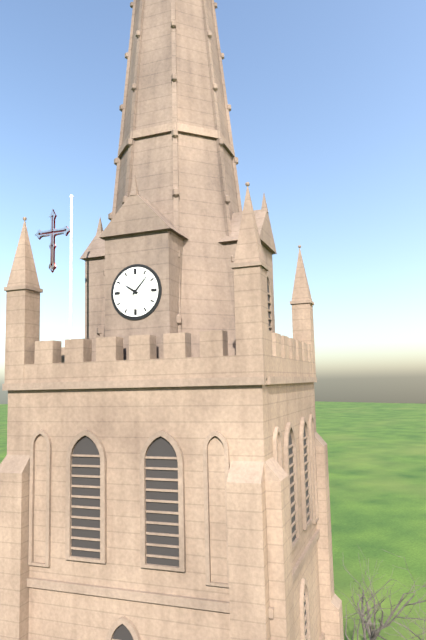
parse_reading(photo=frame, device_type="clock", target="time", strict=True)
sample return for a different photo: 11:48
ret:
10:07
